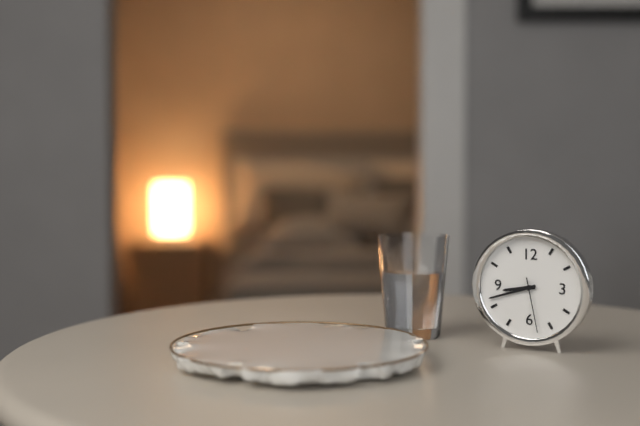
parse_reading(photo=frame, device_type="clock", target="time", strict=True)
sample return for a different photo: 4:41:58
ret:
8:42:28
